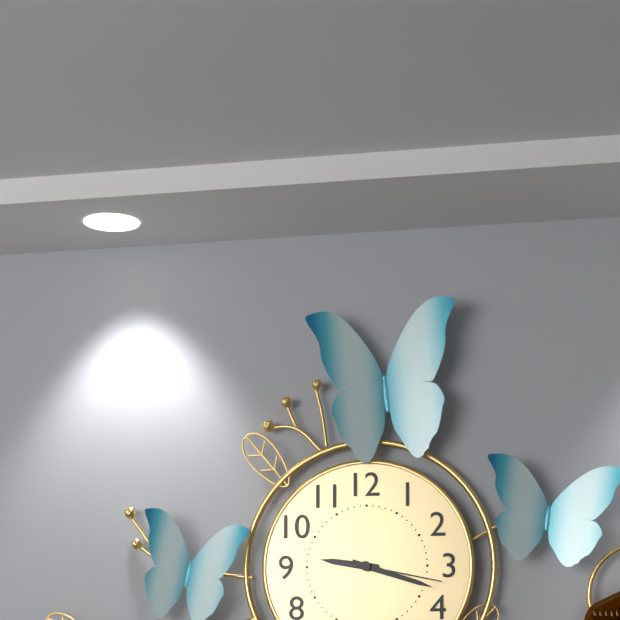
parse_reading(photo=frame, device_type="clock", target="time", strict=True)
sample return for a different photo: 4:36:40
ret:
9:18:17
